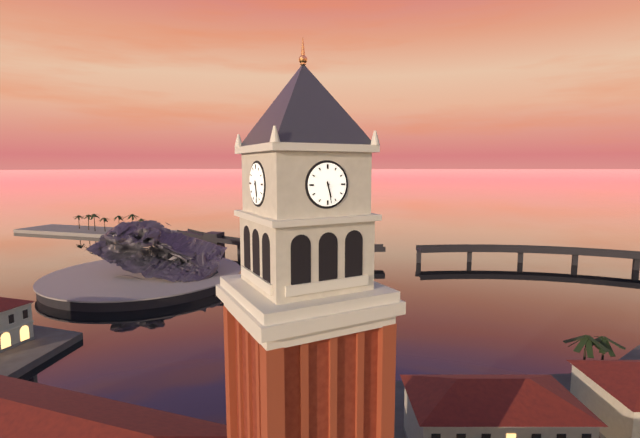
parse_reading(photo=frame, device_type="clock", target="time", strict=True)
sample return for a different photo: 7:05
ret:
5:28
